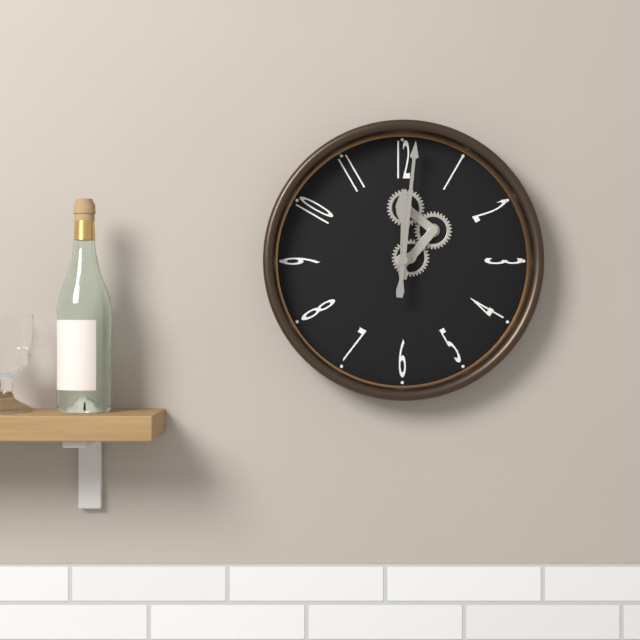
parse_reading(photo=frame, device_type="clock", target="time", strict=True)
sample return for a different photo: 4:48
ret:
12:01
